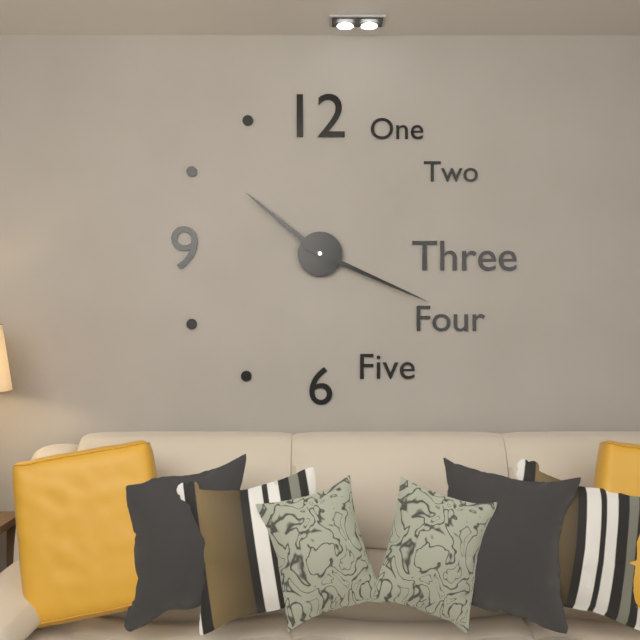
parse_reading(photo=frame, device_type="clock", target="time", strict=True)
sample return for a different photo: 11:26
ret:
10:19
